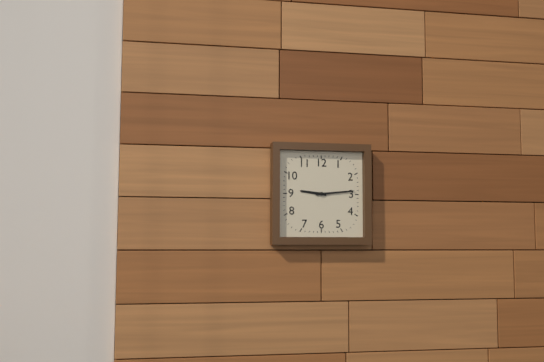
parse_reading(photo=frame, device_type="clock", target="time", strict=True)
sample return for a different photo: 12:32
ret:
9:14
